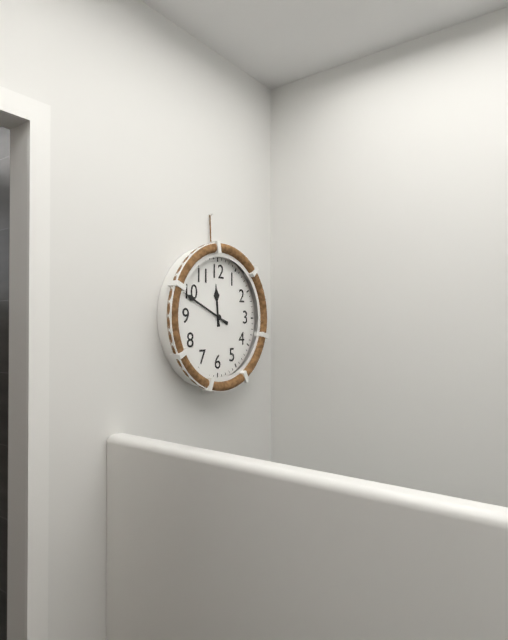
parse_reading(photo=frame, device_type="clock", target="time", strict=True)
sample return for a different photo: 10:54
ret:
11:49
